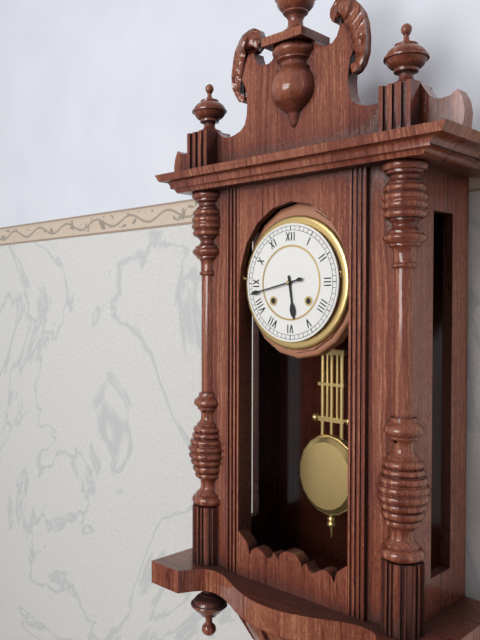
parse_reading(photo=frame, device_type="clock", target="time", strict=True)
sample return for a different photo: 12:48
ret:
5:43
